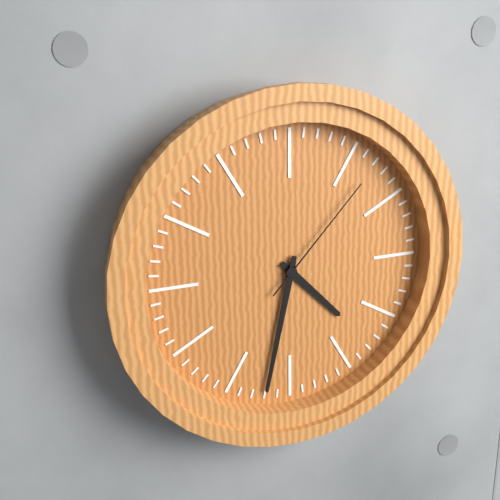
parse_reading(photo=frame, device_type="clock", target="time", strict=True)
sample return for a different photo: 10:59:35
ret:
4:32:07
